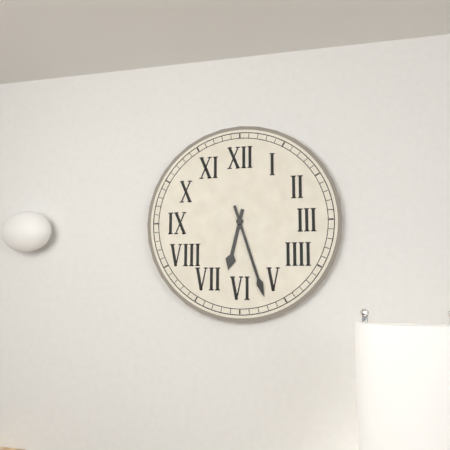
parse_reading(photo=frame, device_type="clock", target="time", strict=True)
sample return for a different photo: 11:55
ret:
6:27
